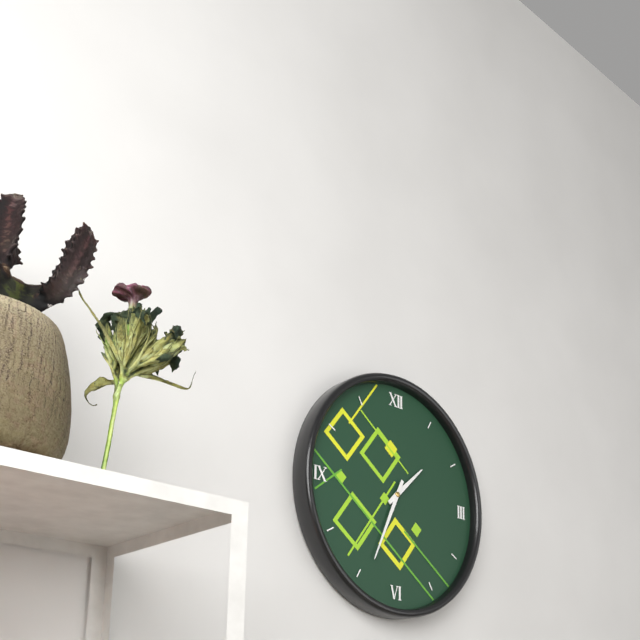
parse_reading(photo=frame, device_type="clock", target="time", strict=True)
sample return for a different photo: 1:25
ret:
1:34
